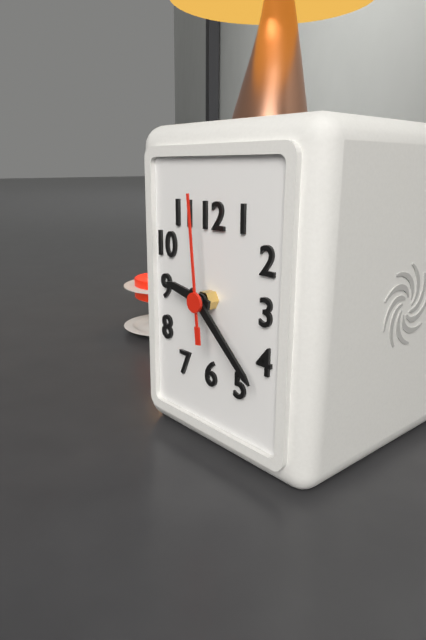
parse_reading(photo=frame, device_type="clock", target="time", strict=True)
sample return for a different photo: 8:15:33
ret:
9:22:59
